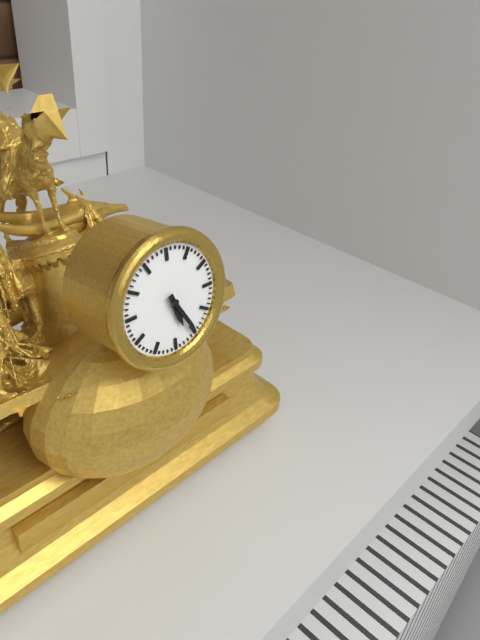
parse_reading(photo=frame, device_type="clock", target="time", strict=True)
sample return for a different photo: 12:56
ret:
5:25
